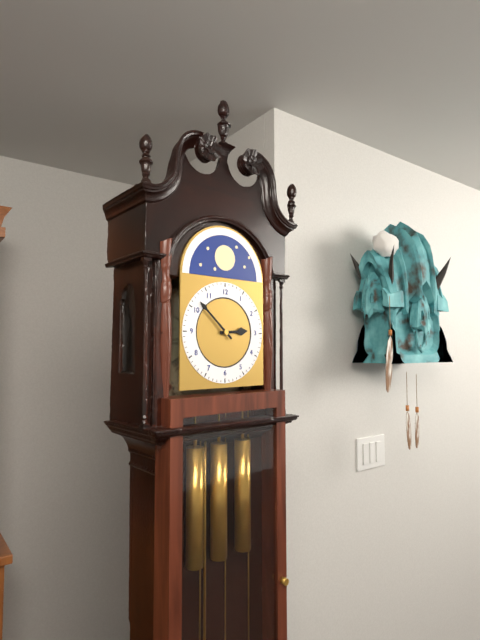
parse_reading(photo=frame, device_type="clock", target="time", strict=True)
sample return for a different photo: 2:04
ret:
2:52
